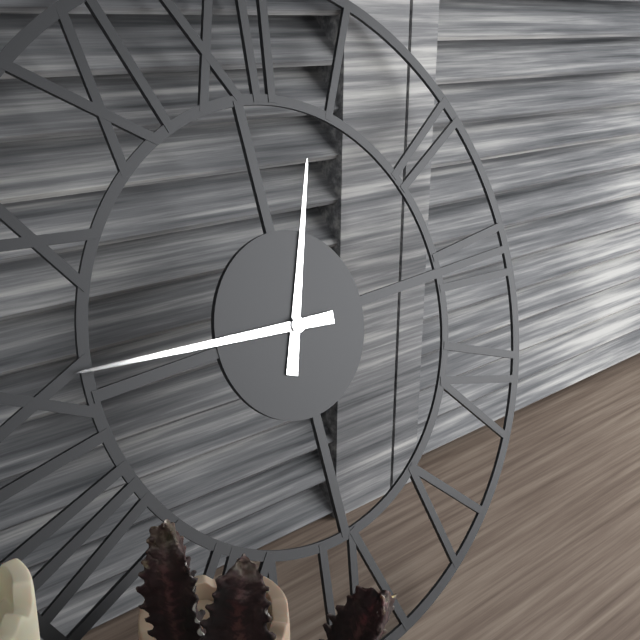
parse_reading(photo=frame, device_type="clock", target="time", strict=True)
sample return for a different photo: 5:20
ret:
12:46
